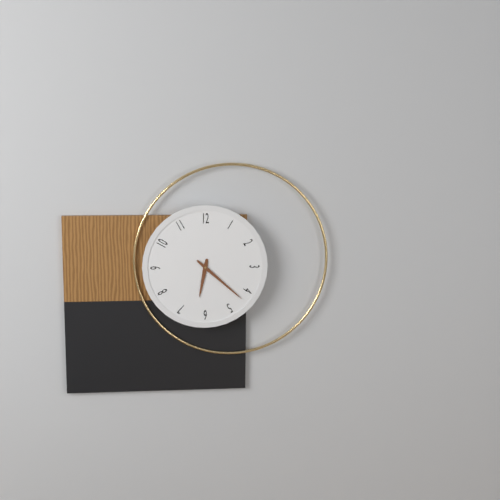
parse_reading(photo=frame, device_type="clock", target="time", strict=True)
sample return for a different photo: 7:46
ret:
6:22
